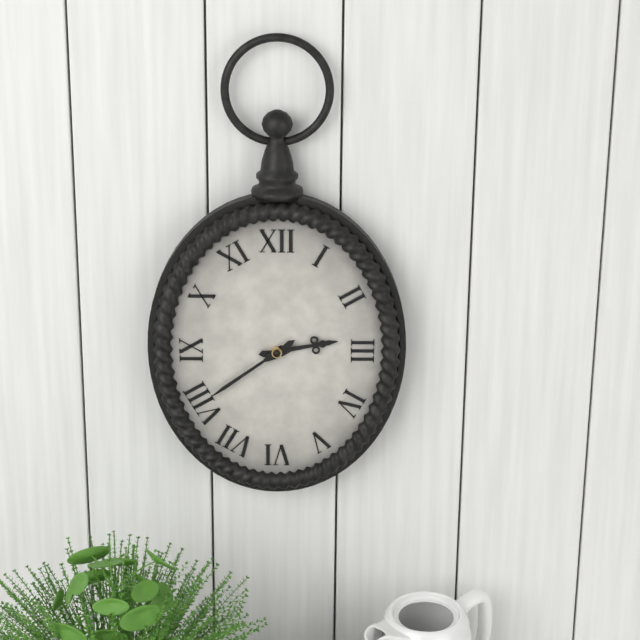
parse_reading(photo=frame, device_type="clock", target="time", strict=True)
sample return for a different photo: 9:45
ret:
2:39
